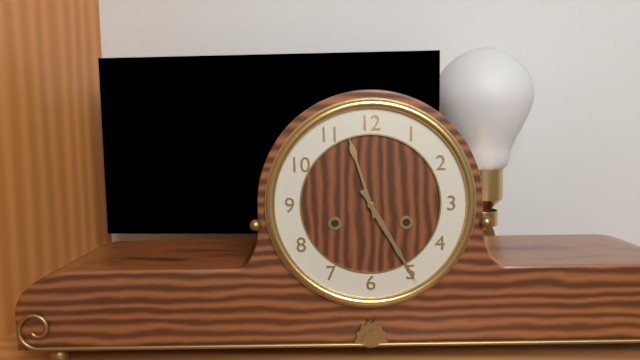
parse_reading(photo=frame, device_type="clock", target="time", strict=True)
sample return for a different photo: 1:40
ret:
11:25
